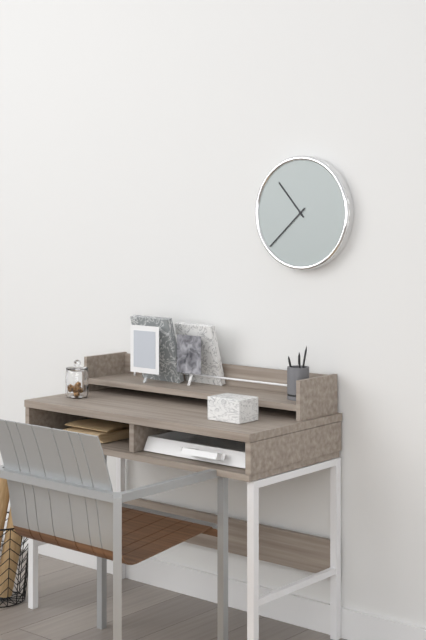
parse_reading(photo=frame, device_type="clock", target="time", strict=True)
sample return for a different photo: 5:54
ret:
10:38
